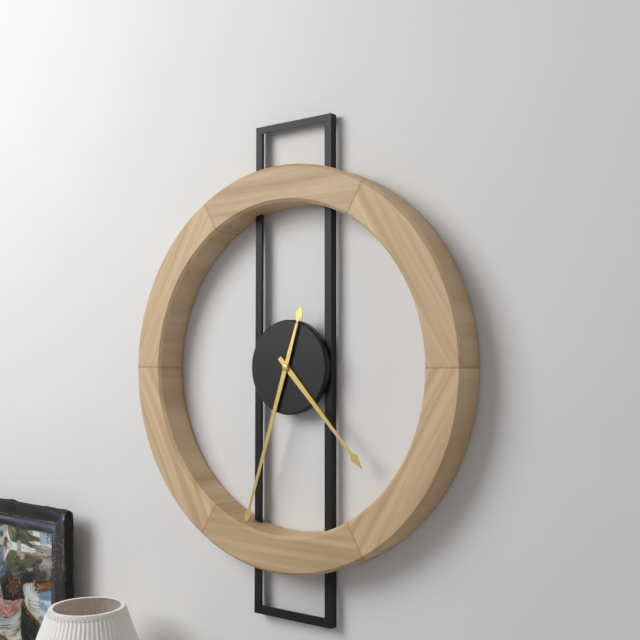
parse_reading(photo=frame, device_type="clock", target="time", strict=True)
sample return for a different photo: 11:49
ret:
4:33
